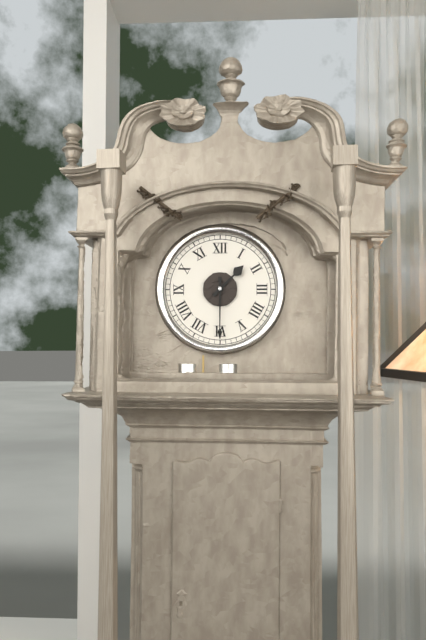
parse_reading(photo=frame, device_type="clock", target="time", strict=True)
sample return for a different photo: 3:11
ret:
1:30
